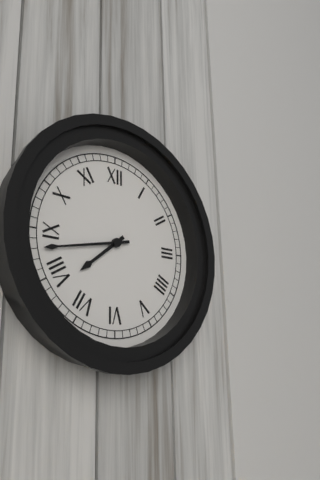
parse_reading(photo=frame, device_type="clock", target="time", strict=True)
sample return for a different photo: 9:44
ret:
7:43
